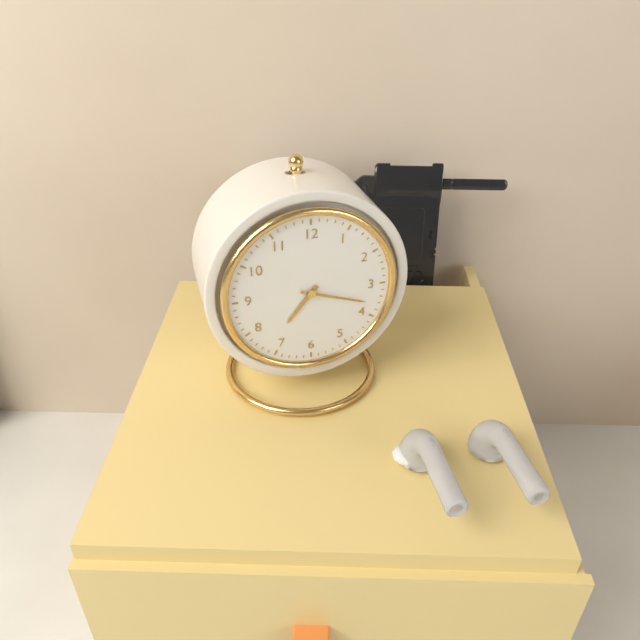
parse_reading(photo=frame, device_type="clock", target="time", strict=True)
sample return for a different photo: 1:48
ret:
7:18
